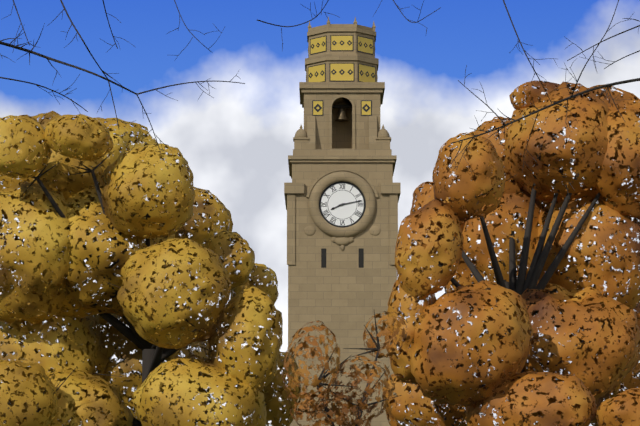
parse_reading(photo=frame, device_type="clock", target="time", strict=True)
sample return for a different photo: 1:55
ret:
8:13
